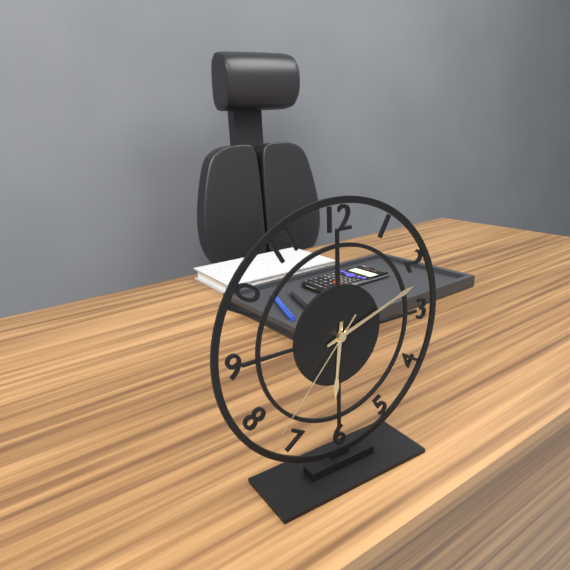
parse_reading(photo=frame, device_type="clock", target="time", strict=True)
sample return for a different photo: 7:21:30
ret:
6:12:37
